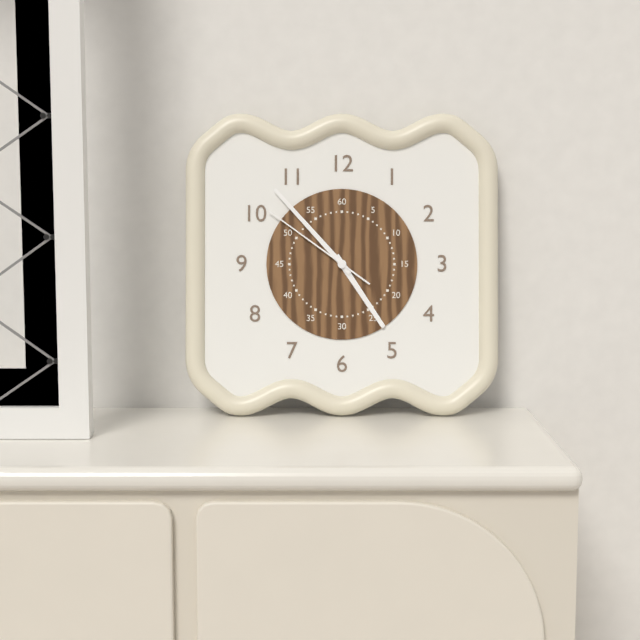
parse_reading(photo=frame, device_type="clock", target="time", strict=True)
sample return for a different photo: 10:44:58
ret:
4:53:51
